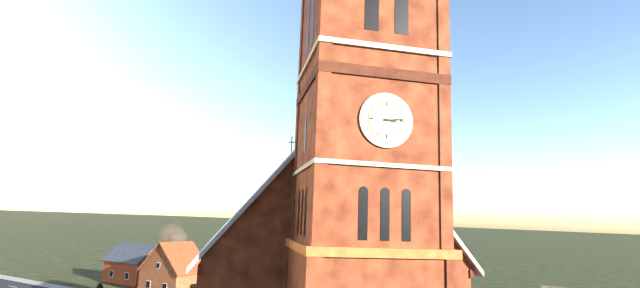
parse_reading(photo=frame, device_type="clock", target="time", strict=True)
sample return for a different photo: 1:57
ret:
3:14
